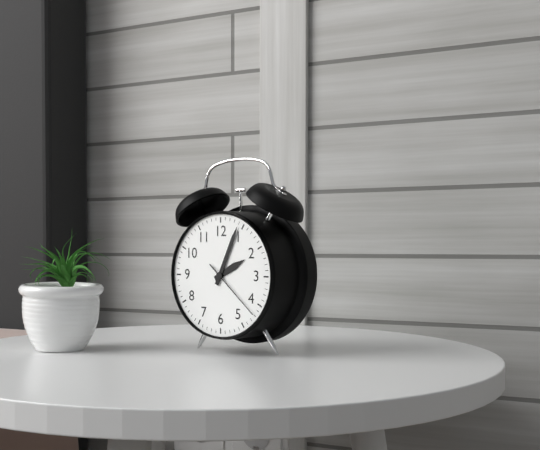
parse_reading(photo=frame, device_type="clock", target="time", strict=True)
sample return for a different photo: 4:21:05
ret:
2:04:22
